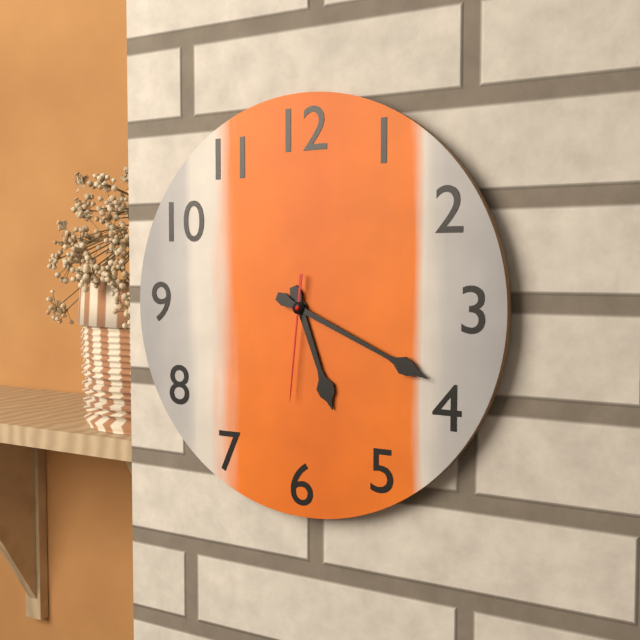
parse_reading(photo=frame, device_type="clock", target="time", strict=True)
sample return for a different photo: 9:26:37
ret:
5:19:31
